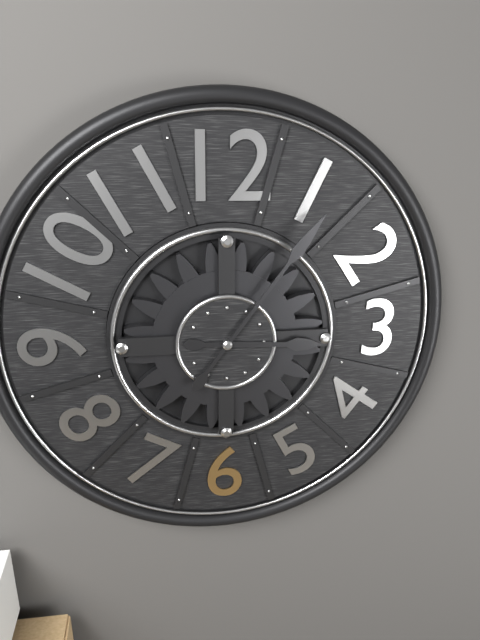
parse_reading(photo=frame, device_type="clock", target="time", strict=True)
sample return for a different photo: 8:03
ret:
3:06
